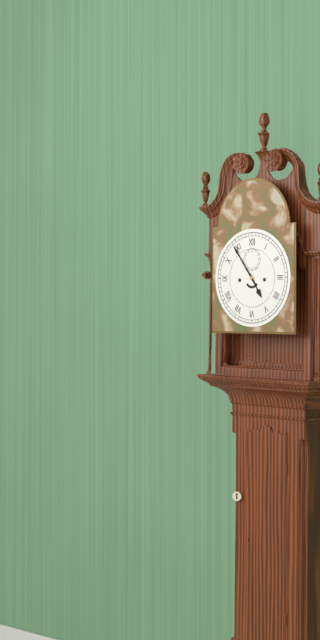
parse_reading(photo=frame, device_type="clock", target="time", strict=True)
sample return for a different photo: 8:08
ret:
4:54
